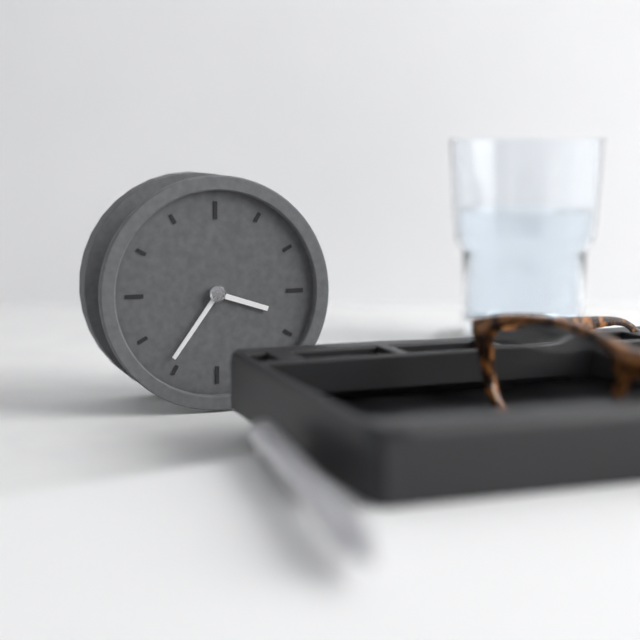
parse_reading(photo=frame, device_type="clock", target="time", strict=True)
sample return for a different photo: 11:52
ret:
3:36
